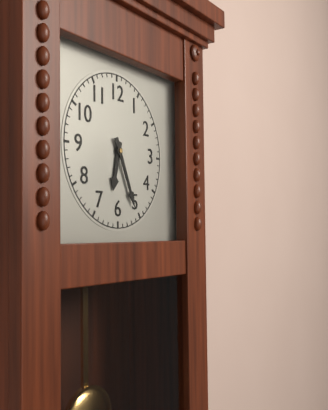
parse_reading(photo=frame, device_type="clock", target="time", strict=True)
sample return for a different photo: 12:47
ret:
6:26
